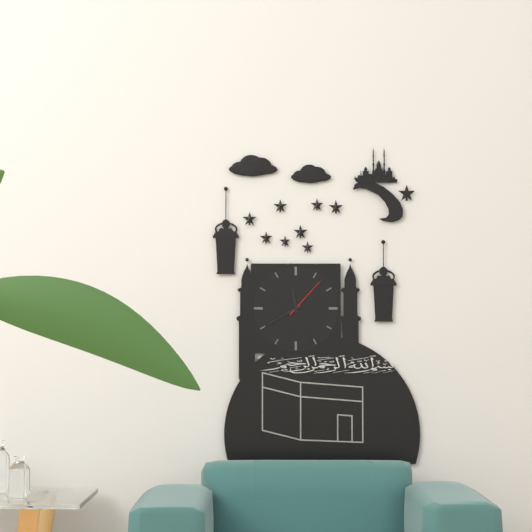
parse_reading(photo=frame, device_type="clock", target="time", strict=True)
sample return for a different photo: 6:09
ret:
11:40
